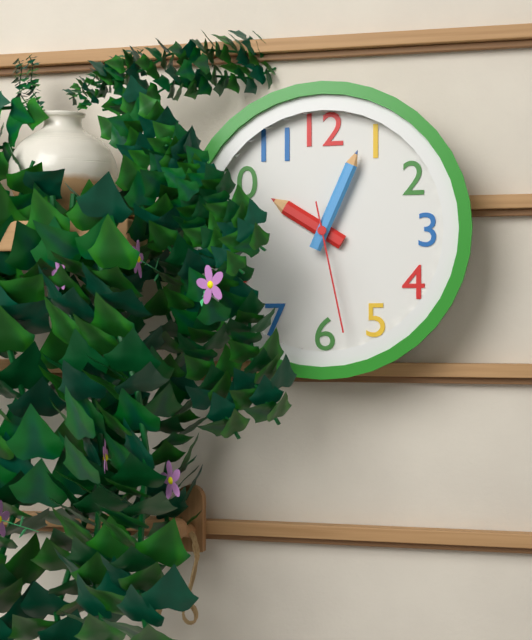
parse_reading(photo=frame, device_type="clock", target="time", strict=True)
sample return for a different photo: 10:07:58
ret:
10:04:28
